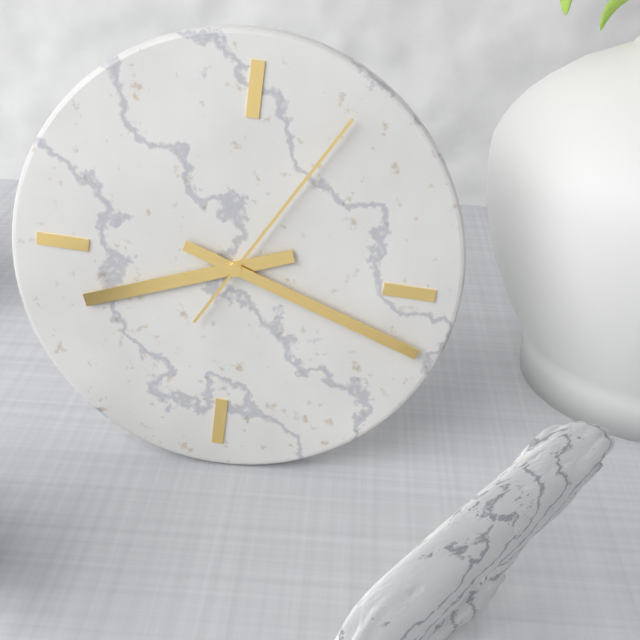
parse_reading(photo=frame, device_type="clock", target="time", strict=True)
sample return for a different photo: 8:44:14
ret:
8:18:05
